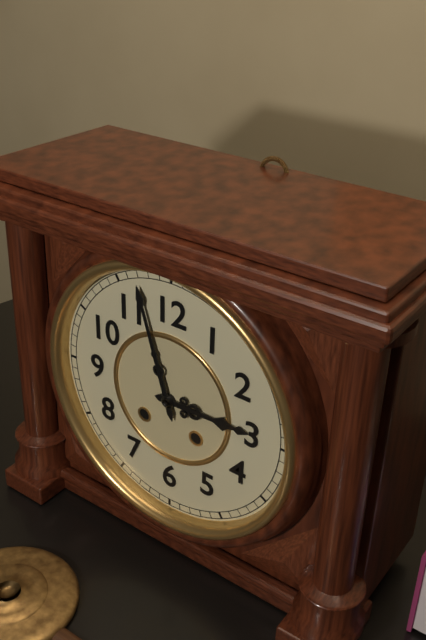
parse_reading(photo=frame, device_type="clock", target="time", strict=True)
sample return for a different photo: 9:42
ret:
2:57
